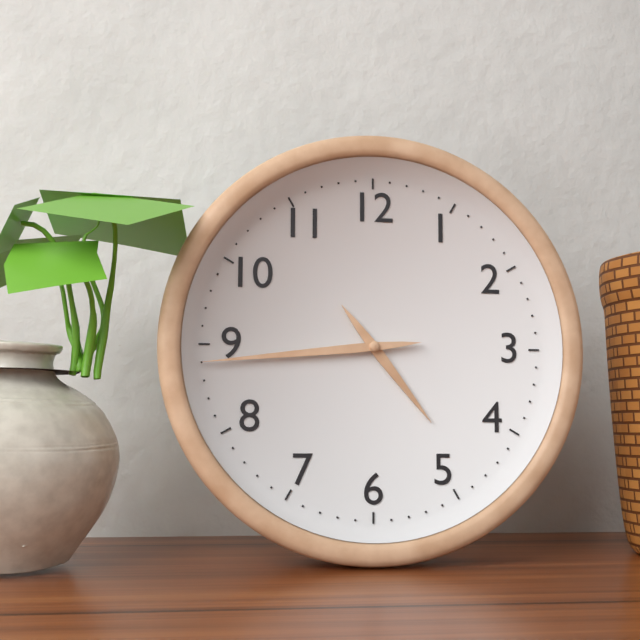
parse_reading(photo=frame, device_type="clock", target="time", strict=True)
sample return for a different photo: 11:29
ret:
4:44
